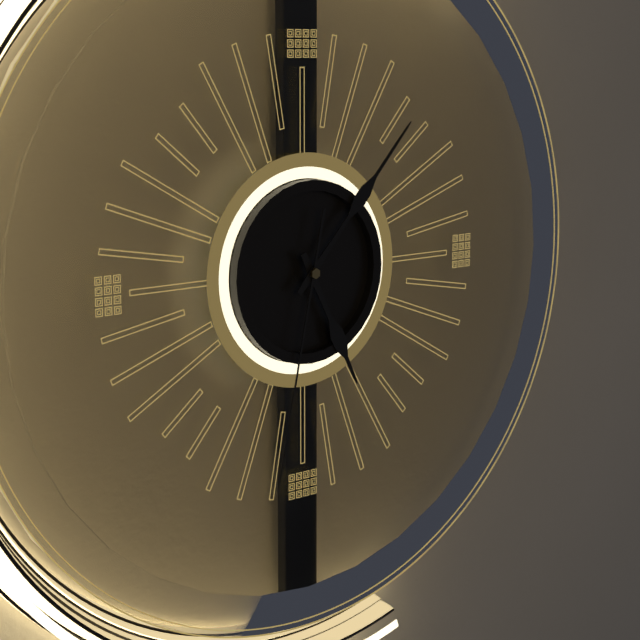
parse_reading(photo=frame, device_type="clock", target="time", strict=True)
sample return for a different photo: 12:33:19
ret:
5:07:32
